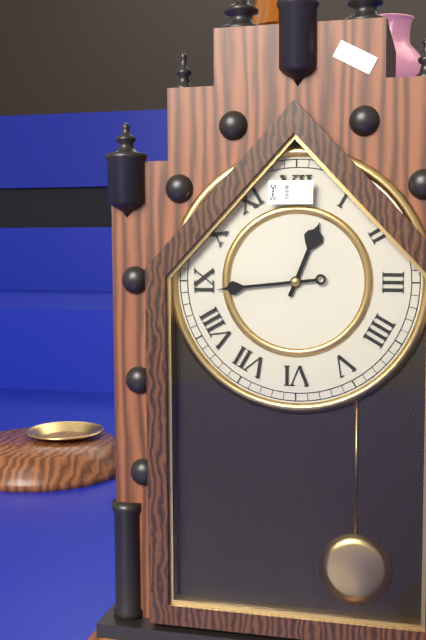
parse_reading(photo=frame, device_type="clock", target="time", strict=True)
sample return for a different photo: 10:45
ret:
12:44
